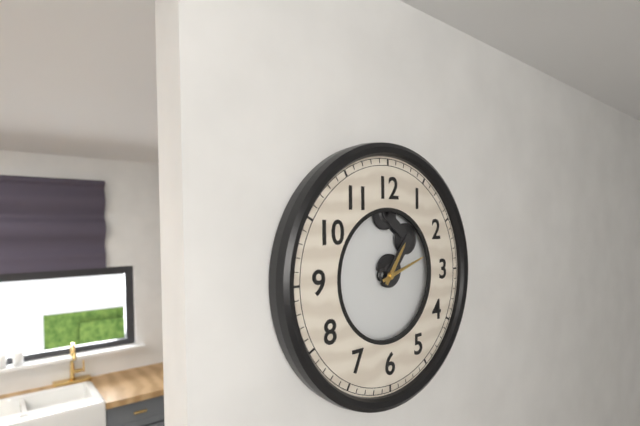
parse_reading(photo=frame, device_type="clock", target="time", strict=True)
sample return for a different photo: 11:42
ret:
1:12
